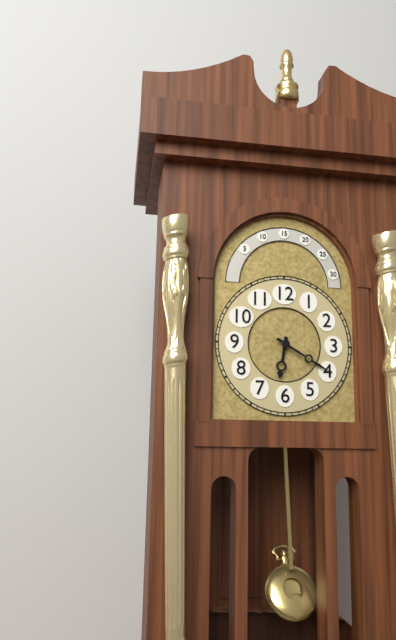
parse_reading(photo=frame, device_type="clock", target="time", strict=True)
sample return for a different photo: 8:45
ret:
6:20
